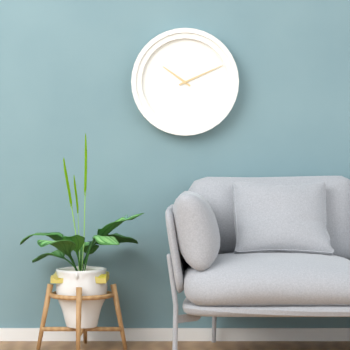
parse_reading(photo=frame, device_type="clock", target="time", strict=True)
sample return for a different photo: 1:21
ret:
10:11
